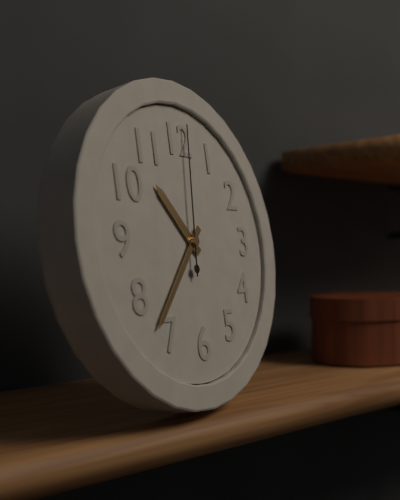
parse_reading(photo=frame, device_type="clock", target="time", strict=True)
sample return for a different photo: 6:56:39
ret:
10:37:01
